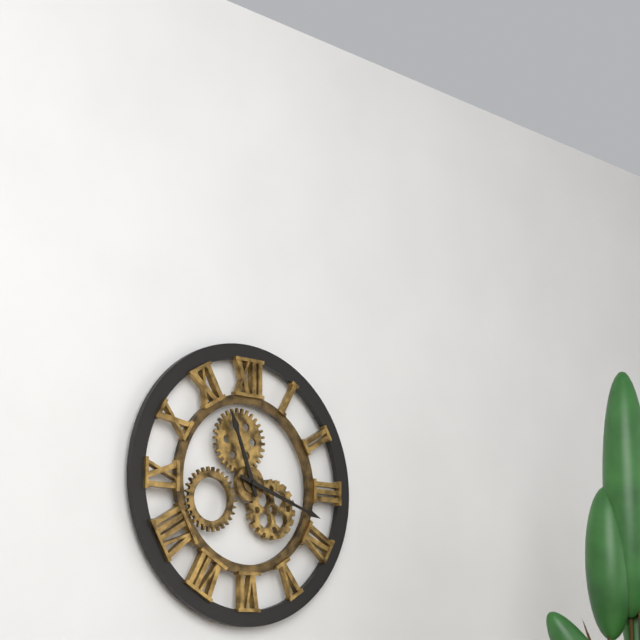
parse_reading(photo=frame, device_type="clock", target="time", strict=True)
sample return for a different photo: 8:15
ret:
11:18
